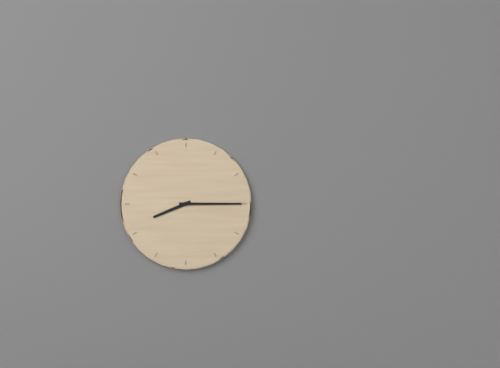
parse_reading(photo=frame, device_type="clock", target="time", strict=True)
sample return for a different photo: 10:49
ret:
8:15
